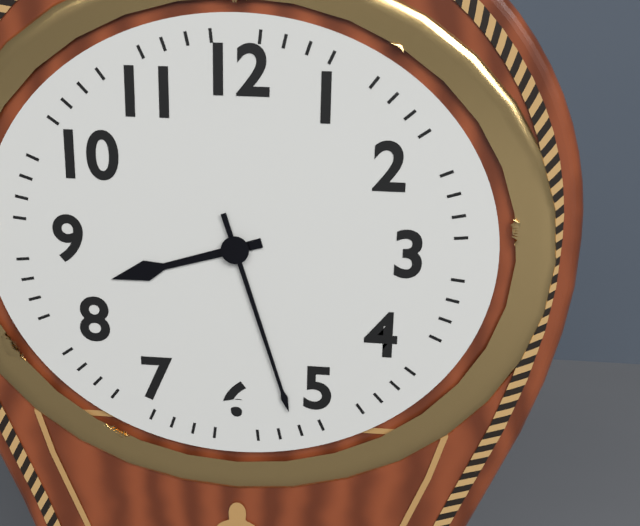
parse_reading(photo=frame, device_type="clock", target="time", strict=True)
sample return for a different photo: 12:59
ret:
8:27
